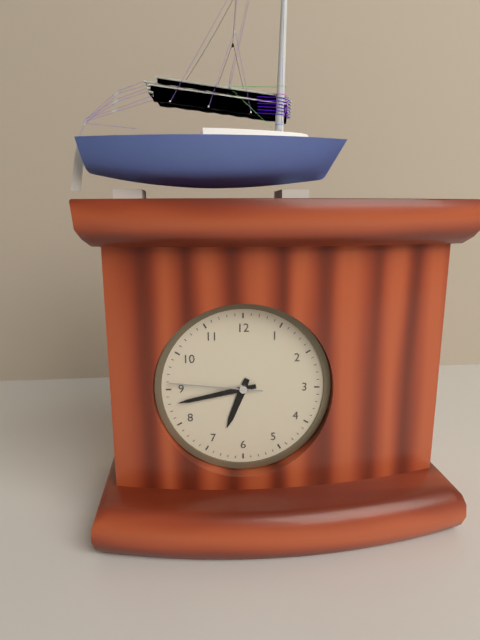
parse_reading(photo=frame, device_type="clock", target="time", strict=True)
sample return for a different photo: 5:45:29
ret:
6:43:46
